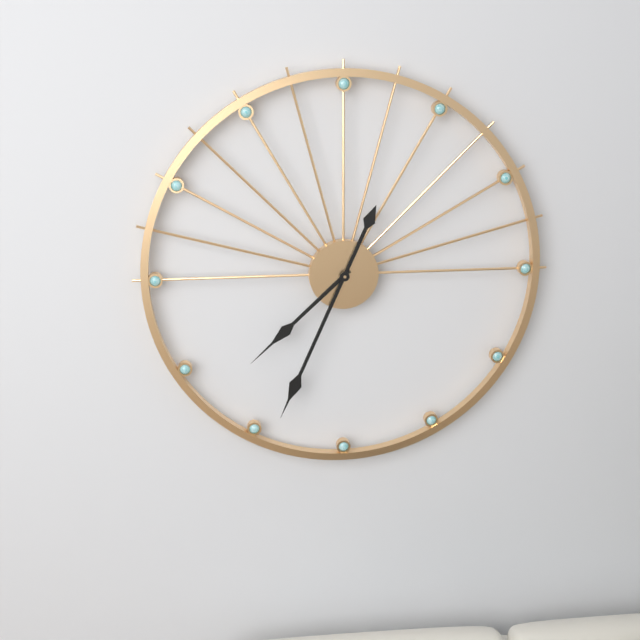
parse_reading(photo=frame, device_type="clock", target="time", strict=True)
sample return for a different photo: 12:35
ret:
7:34
